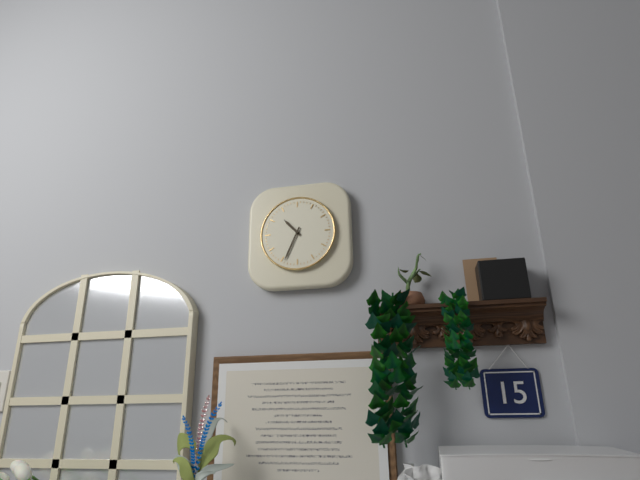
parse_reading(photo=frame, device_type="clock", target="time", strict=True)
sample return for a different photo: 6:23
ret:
10:34
